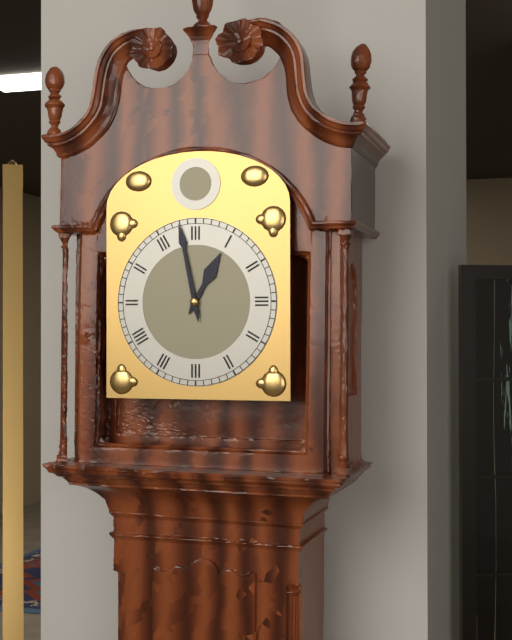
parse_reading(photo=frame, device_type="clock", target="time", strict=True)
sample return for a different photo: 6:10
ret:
12:58
